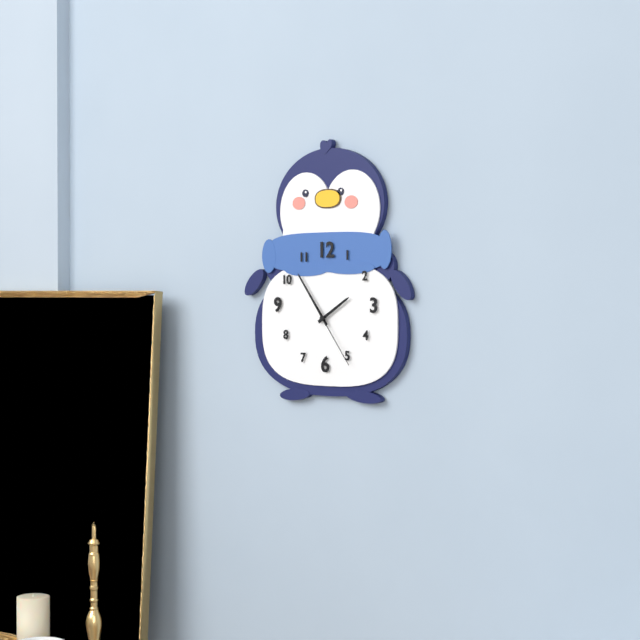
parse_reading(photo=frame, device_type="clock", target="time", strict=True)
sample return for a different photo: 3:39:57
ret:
1:54:24
